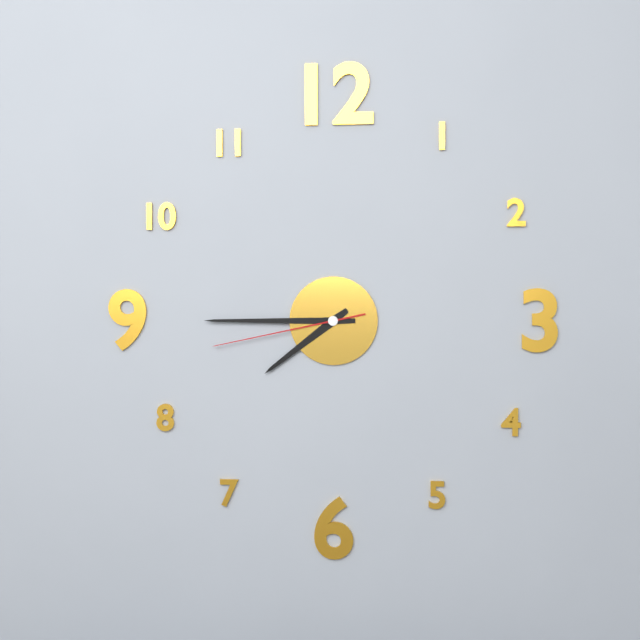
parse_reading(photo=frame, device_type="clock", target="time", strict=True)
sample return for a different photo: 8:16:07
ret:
7:45:43
